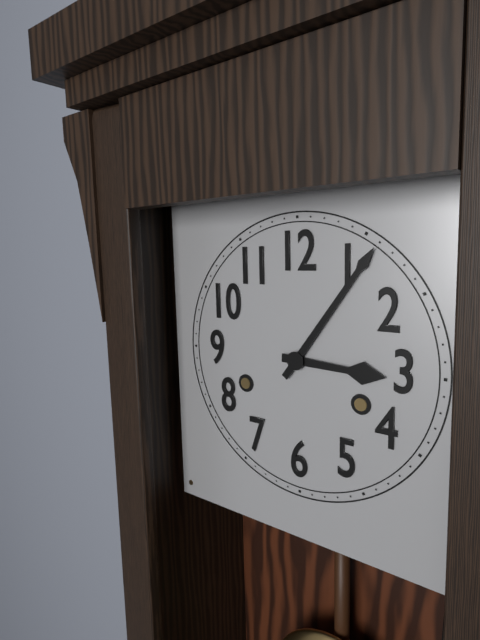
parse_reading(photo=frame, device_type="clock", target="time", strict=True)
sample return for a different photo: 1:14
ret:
3:06
